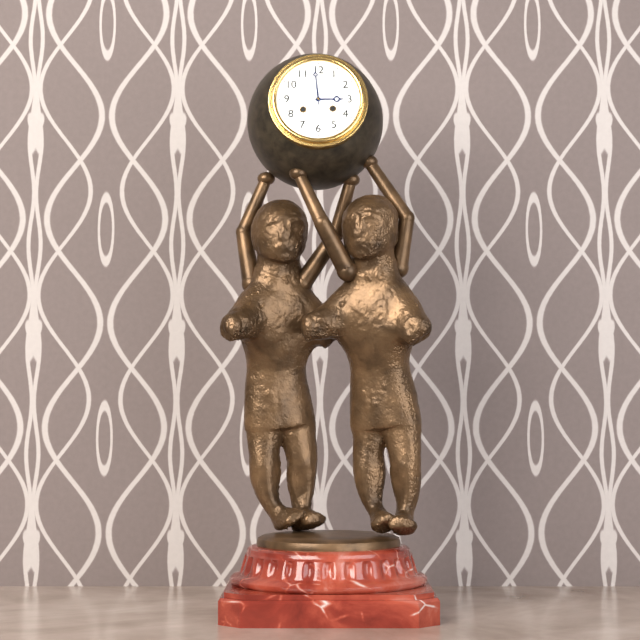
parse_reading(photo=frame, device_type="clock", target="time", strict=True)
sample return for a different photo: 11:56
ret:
2:59
